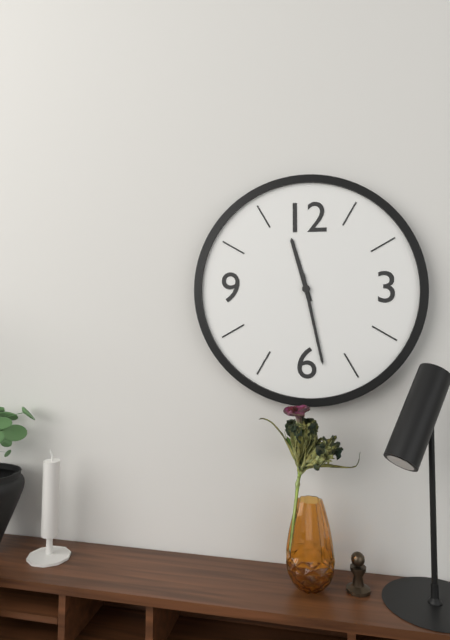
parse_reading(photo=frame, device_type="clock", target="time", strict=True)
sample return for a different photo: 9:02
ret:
11:28
